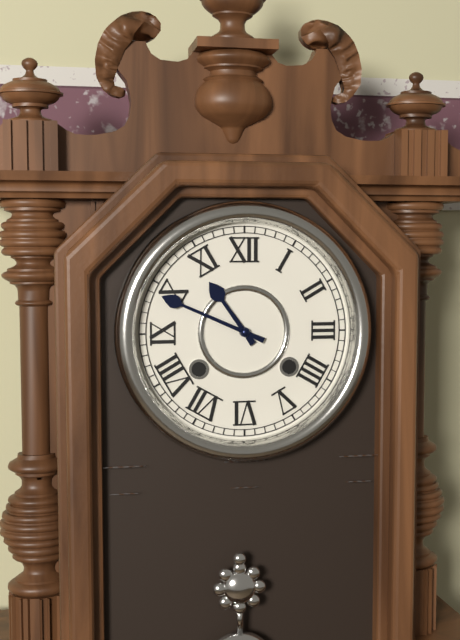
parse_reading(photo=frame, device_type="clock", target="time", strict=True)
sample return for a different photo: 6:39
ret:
10:49
